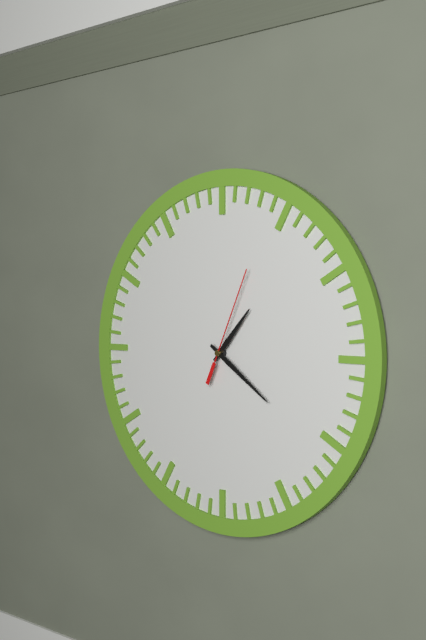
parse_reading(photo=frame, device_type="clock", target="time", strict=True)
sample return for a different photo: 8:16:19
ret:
1:21:04
